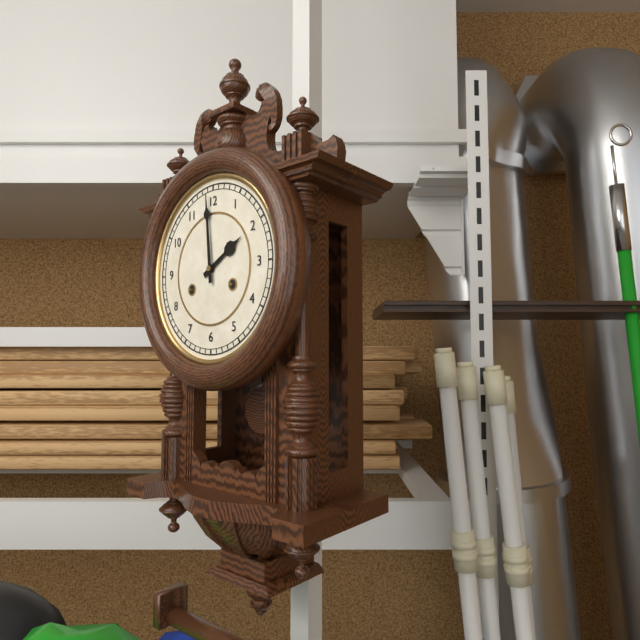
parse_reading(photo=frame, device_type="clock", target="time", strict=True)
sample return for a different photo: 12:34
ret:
1:59
